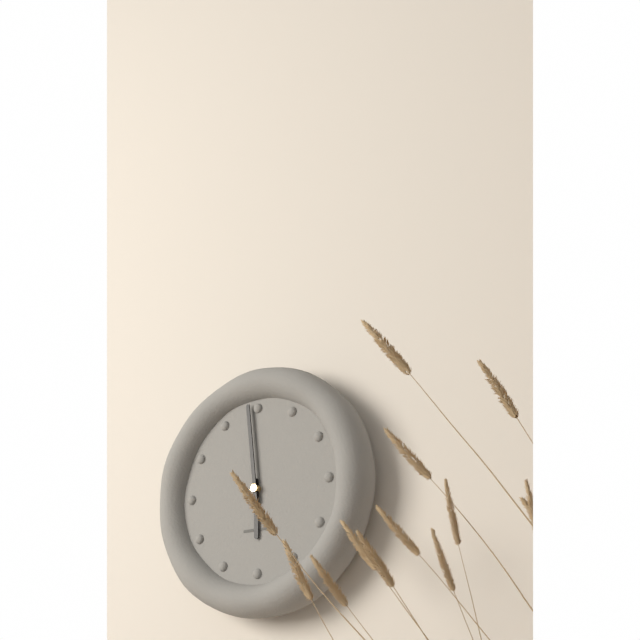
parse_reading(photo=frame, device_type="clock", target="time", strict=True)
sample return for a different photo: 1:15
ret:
5:59
